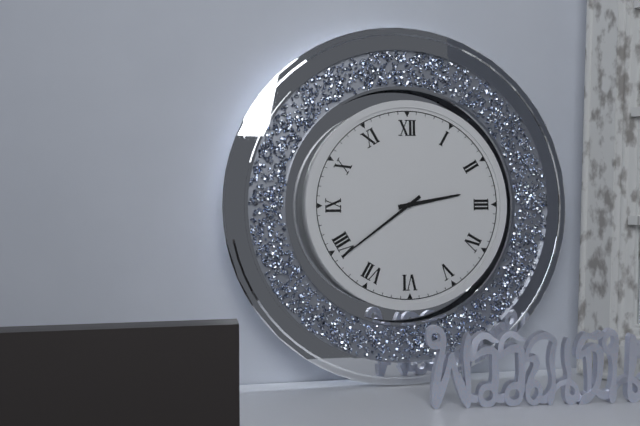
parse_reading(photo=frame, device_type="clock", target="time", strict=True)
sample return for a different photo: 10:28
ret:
2:39
